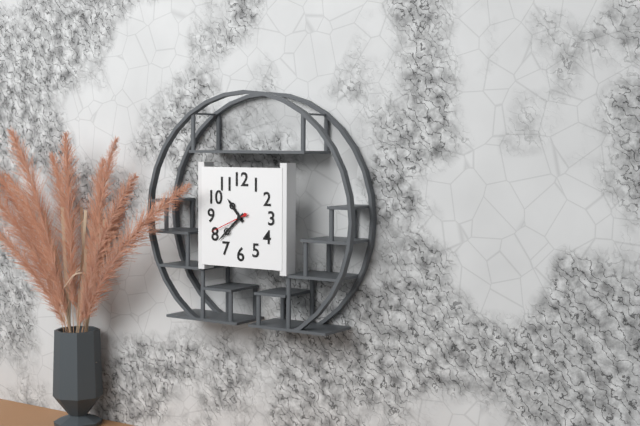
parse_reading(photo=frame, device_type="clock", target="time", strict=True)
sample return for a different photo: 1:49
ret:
10:38
